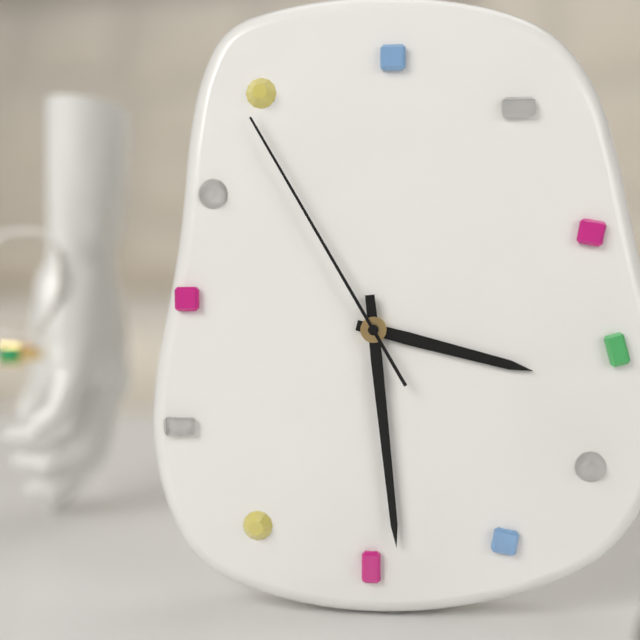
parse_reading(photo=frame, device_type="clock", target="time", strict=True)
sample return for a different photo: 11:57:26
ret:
3:29:55
